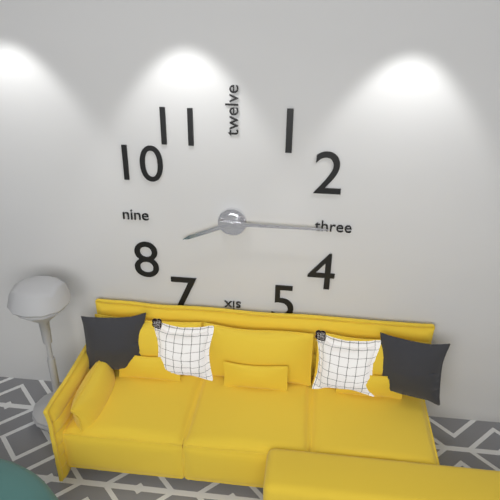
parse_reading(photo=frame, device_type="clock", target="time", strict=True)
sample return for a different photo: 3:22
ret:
8:15
